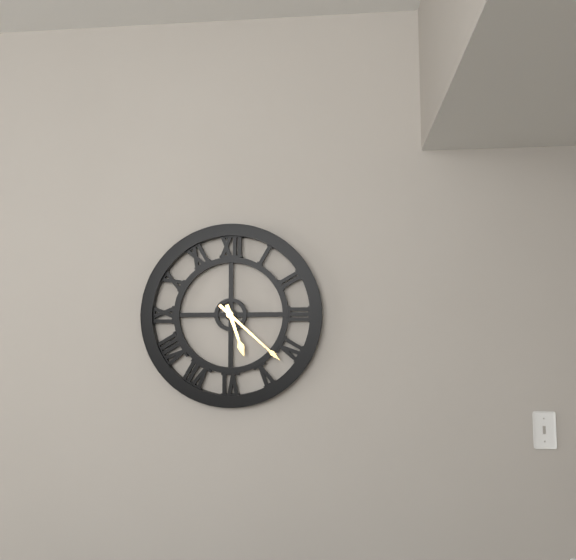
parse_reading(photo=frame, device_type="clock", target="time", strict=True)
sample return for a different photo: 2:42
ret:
5:22
